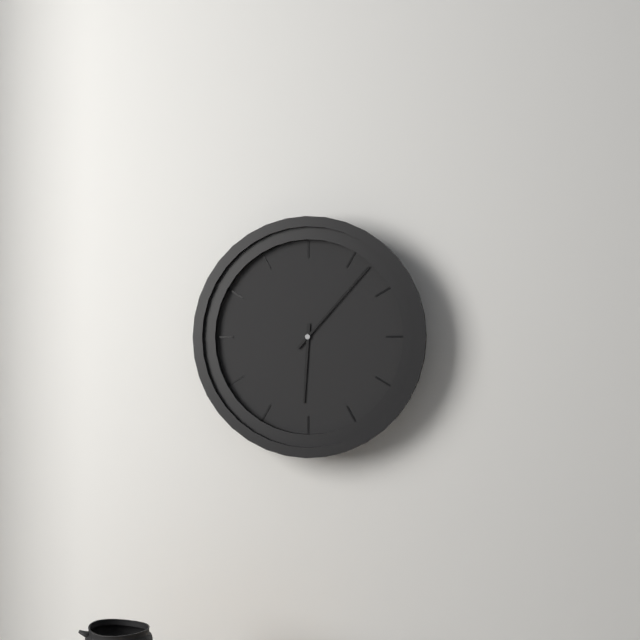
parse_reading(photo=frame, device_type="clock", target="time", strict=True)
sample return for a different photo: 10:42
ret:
6:07
